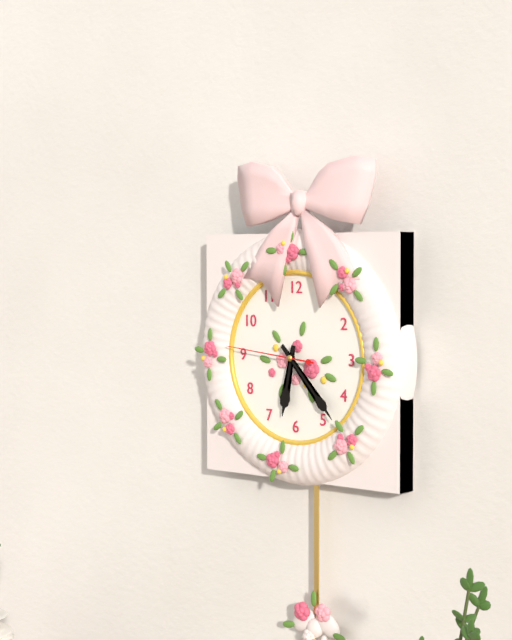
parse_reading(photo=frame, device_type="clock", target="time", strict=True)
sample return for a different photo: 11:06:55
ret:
6:23:46
